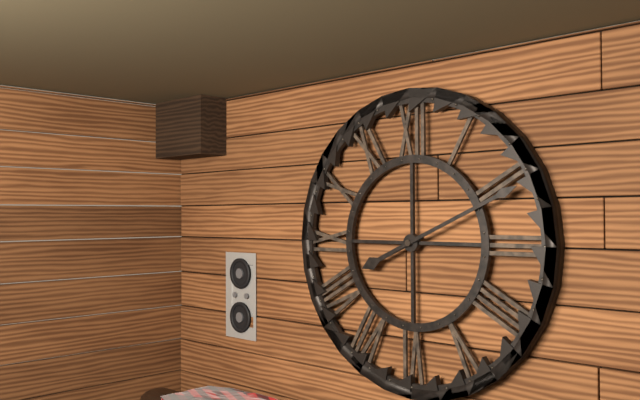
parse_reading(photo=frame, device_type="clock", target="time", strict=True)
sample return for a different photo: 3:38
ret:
8:11
